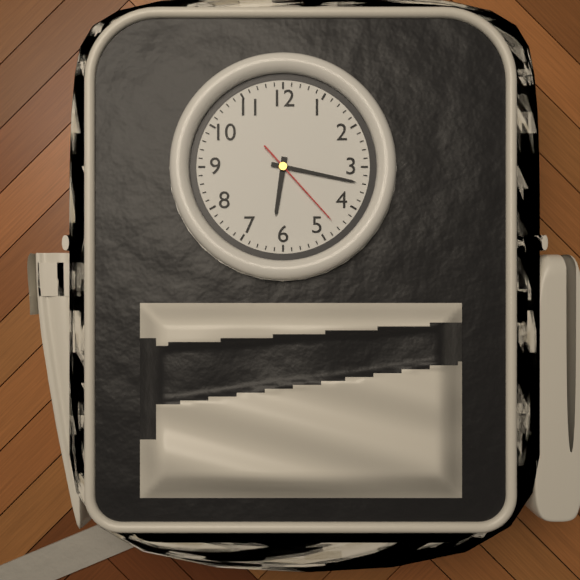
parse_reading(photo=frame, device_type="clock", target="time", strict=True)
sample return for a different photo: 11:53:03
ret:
6:17:23
